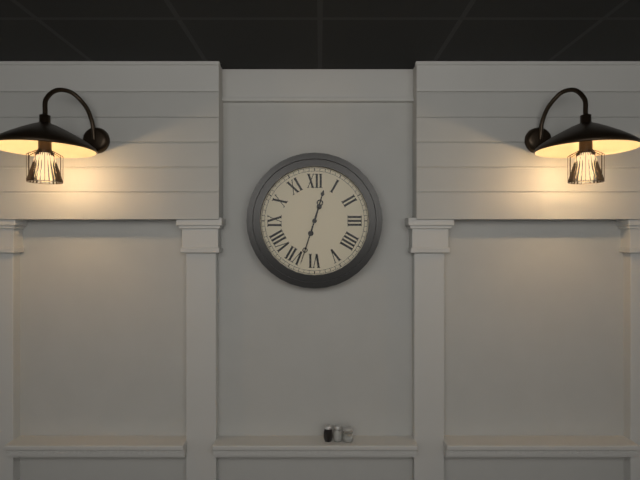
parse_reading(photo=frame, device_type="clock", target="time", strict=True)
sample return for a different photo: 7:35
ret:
12:33
